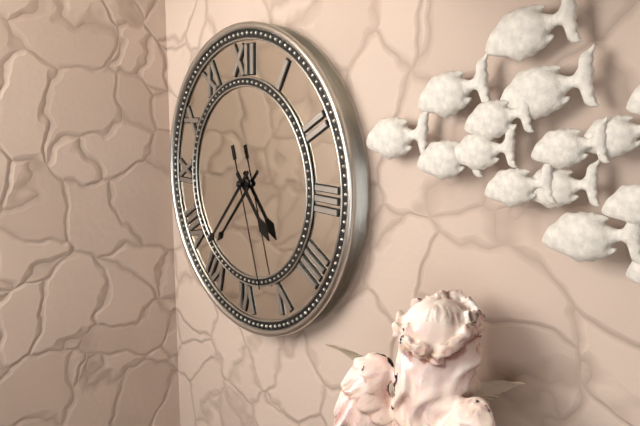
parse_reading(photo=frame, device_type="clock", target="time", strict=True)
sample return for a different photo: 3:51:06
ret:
4:37:27
